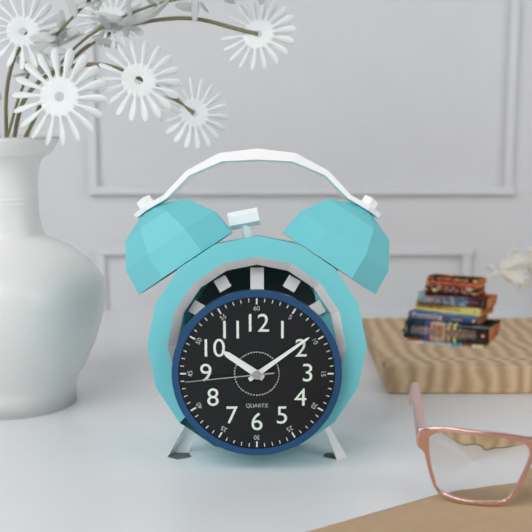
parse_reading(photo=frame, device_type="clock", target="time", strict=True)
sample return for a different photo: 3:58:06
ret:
10:09:44
